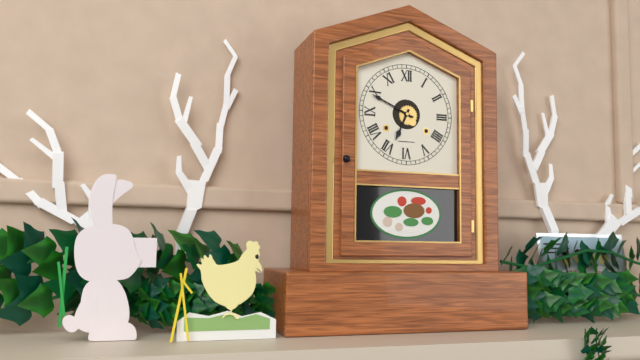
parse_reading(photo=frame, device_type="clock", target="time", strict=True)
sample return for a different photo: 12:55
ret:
6:49
